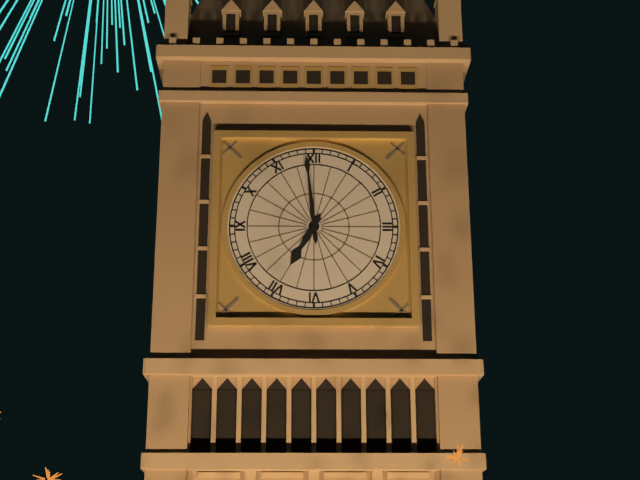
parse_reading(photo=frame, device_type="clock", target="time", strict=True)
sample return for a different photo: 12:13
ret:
6:59
